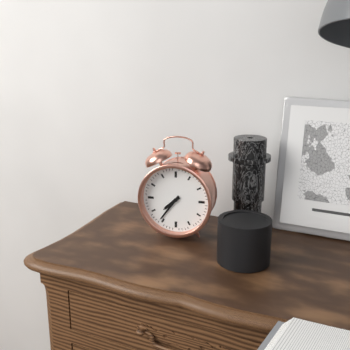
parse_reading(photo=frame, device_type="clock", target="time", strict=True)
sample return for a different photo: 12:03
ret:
7:36
